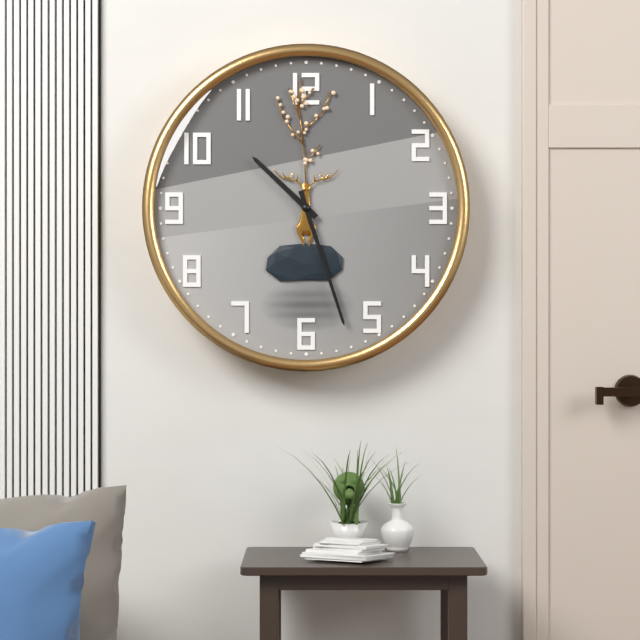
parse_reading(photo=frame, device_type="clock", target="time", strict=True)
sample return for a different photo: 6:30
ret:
10:27
